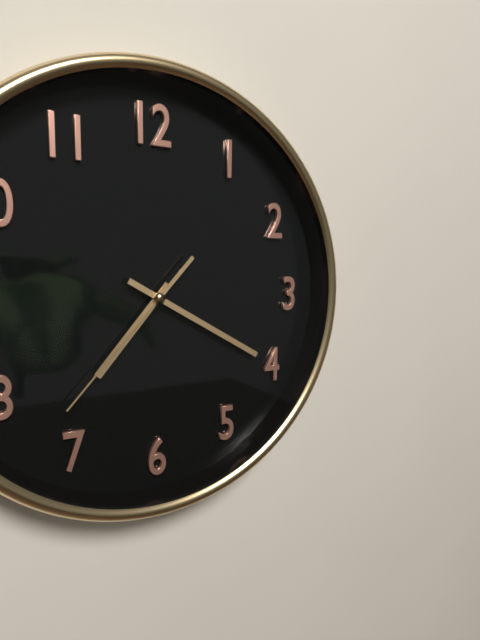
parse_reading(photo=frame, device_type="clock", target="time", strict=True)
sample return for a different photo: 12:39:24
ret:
7:20:37
